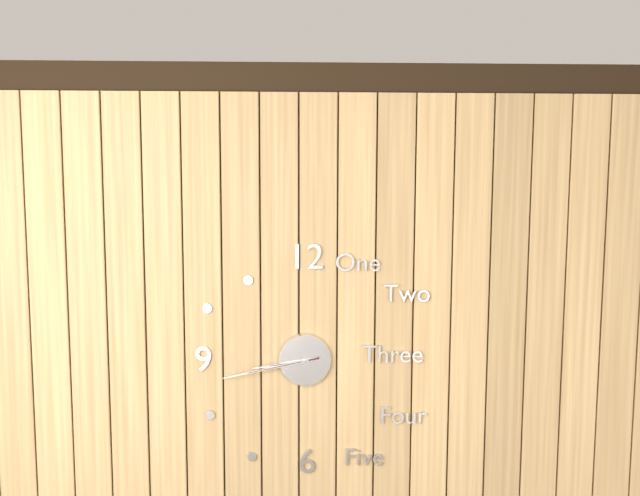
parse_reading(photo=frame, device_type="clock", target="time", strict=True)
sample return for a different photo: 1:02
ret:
8:43
